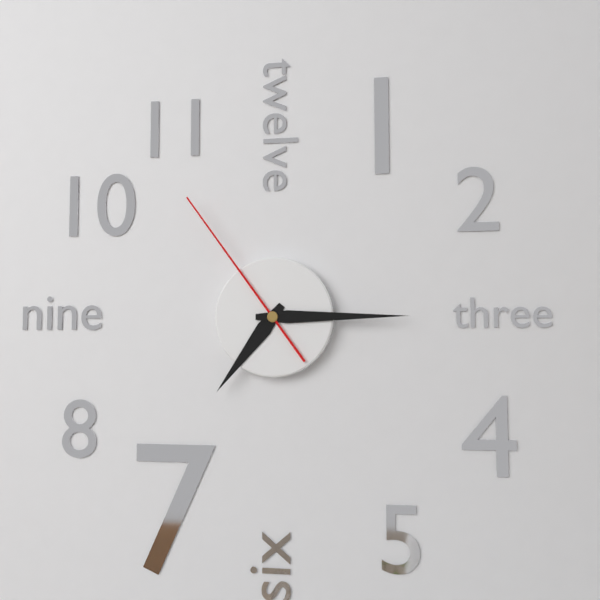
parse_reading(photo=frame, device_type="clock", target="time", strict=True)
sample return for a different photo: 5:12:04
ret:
7:15:54
